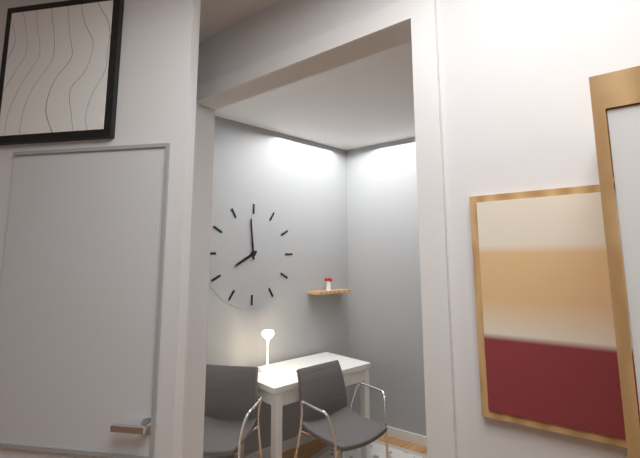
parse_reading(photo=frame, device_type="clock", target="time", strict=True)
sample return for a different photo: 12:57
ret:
7:59
